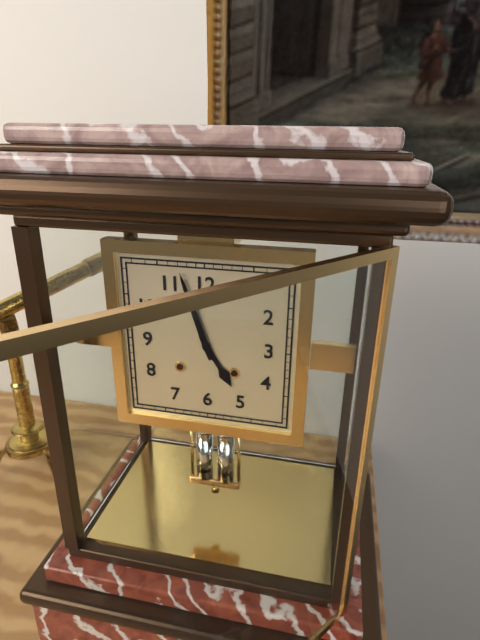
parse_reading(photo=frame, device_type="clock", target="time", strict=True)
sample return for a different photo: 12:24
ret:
4:57
